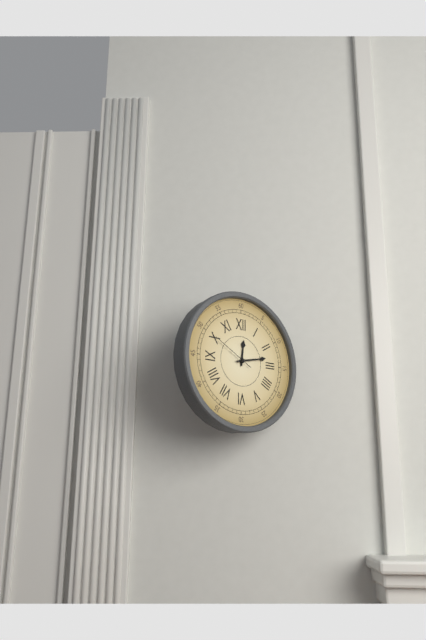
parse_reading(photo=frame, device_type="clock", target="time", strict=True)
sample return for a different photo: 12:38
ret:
12:13
